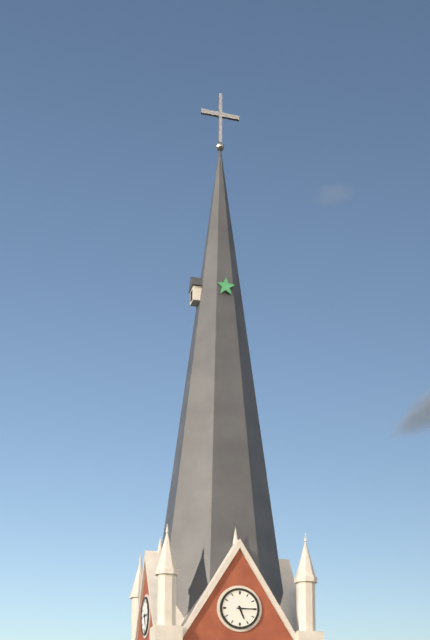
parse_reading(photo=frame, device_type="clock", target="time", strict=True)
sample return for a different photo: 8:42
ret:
5:15
